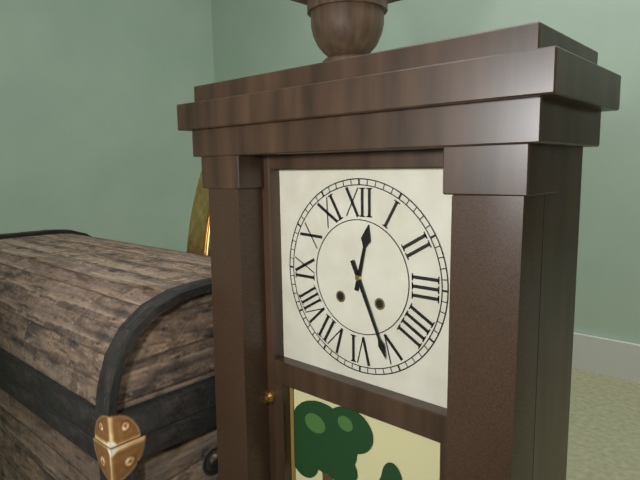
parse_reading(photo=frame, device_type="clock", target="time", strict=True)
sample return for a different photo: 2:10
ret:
12:26
